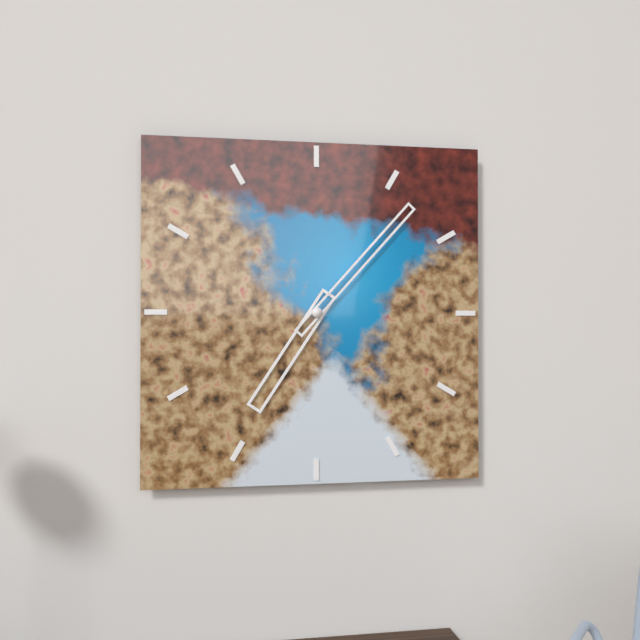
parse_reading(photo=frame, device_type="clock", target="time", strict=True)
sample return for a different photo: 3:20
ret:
7:07
